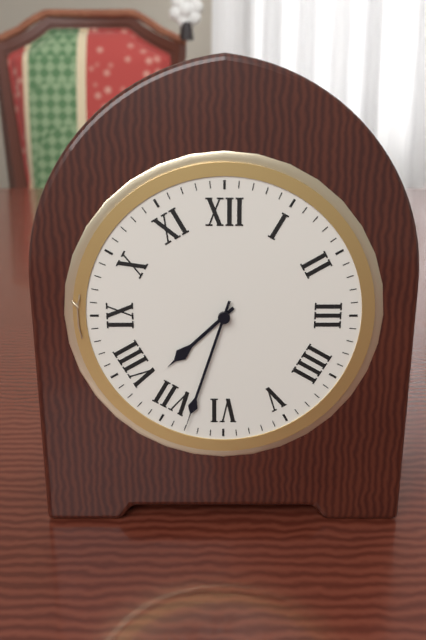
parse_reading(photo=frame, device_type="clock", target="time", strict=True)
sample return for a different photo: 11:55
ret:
7:33
